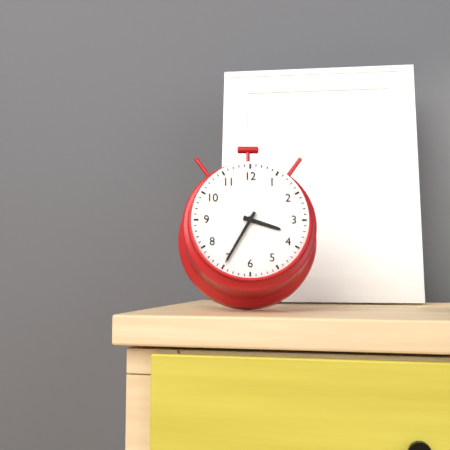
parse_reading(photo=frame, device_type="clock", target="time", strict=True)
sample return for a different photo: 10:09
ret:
3:35
